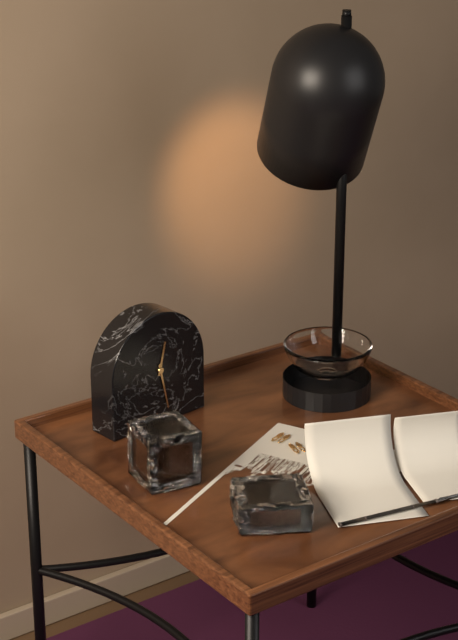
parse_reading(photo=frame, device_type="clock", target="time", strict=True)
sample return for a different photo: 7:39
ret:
12:28
